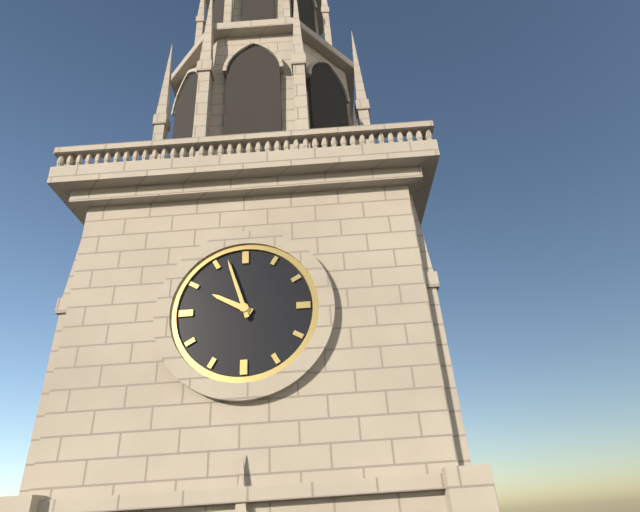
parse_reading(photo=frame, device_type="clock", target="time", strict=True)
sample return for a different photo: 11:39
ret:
9:57
